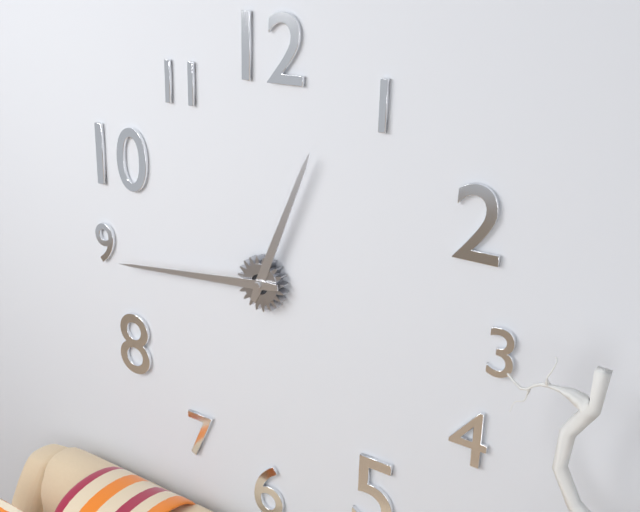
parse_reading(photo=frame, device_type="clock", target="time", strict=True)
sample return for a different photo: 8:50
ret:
12:44
